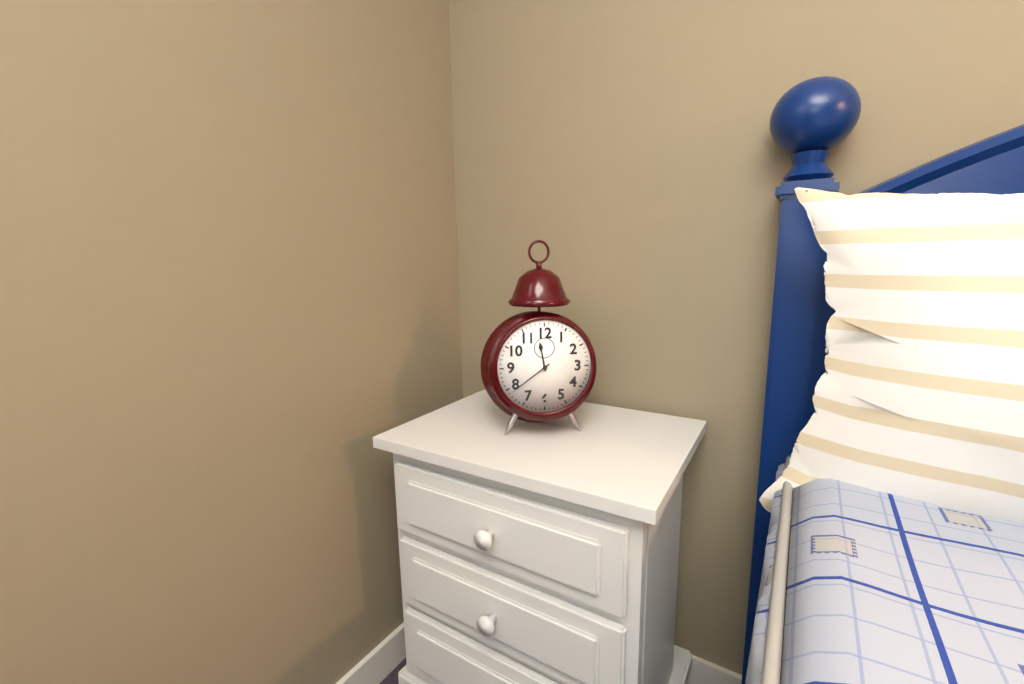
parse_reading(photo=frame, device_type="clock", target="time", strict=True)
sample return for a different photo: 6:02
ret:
11:39
